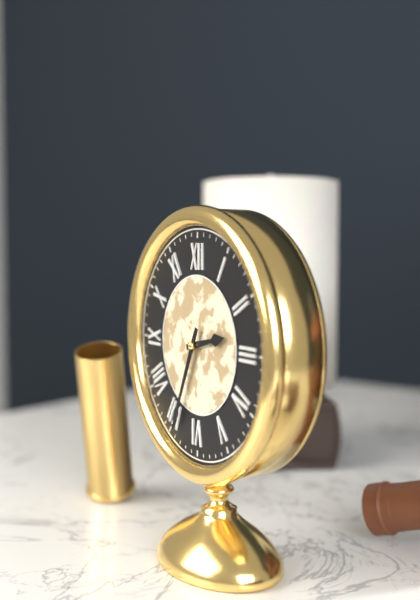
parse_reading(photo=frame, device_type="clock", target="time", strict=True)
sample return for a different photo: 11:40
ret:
2:34
